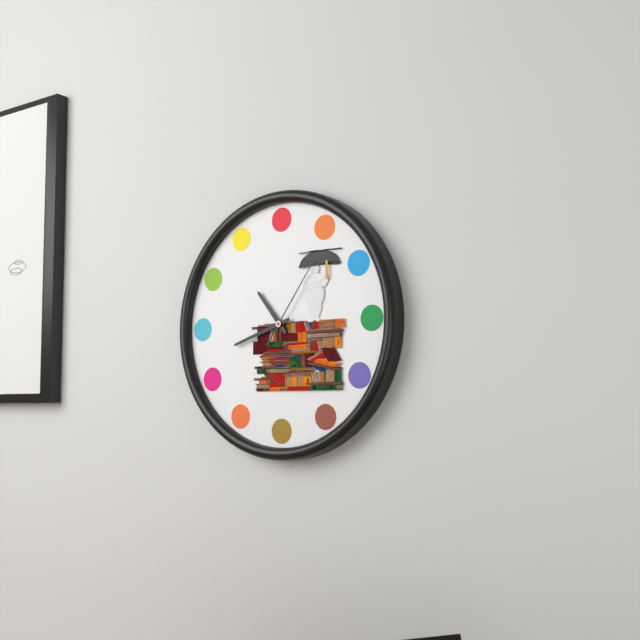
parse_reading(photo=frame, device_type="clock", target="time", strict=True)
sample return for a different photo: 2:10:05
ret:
10:42:06
